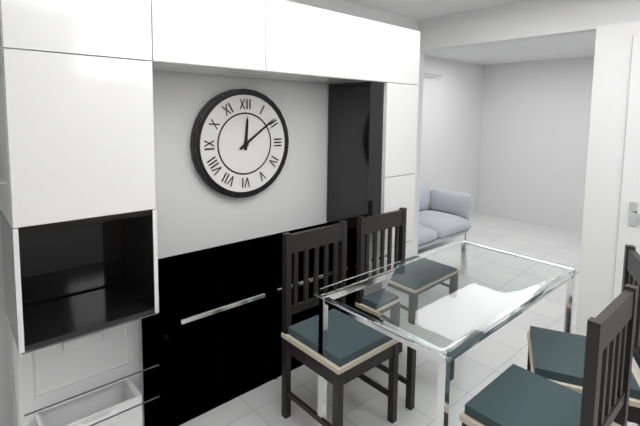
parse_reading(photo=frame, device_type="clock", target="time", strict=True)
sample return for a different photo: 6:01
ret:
12:09
